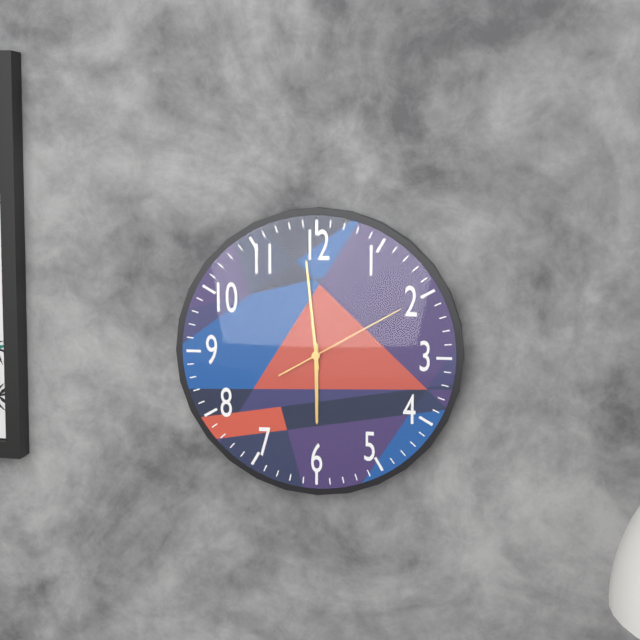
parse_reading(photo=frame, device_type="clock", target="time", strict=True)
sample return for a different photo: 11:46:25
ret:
5:59:10
